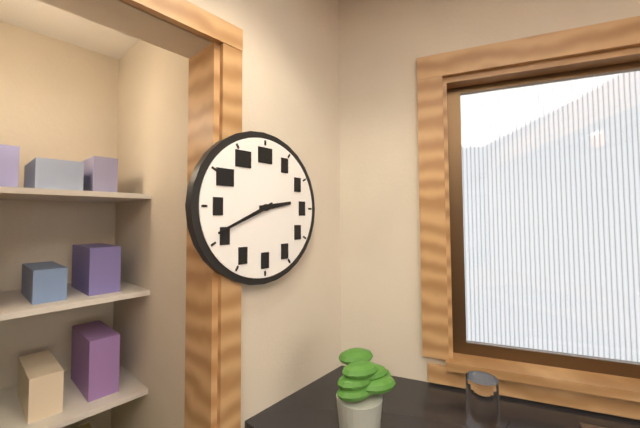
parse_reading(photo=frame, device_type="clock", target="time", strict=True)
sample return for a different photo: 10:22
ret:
2:41
